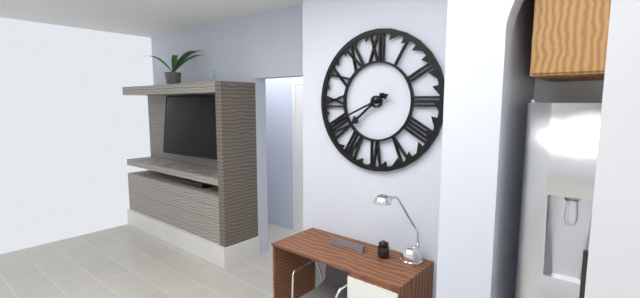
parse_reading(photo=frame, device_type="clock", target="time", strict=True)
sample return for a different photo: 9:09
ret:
7:41
